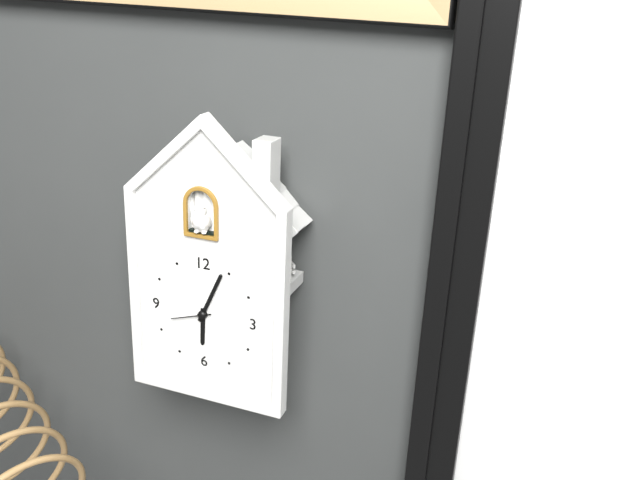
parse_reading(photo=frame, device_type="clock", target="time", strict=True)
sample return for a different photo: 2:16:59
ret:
6:04:42
